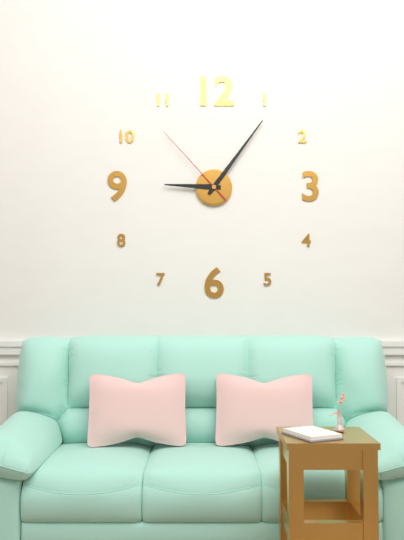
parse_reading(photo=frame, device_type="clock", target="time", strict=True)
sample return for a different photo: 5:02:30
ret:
9:06:53
